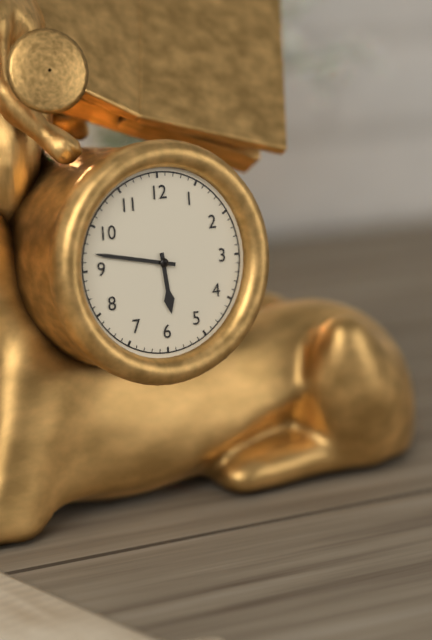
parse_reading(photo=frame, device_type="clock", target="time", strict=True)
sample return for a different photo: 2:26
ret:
5:47
